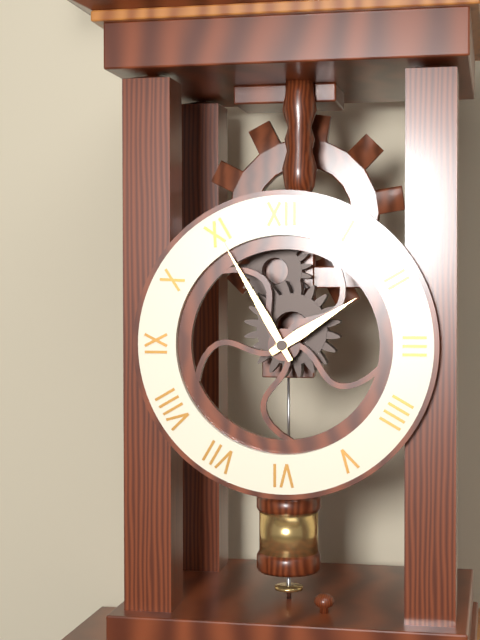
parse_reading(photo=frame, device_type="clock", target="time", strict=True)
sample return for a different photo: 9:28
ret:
1:55
